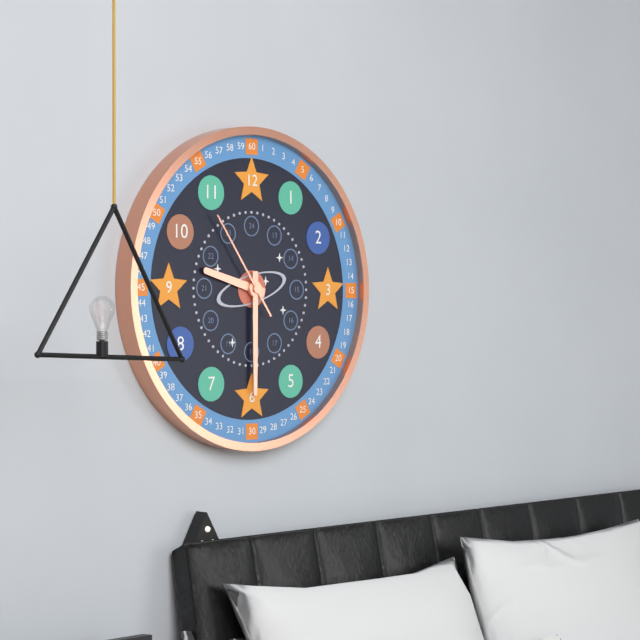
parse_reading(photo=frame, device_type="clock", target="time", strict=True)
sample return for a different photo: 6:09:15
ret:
9:30:54
